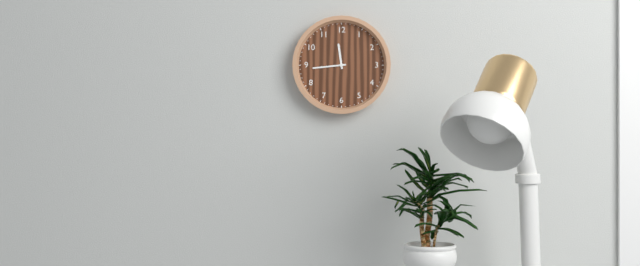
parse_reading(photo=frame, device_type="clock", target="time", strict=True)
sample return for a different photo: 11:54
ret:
11:44
